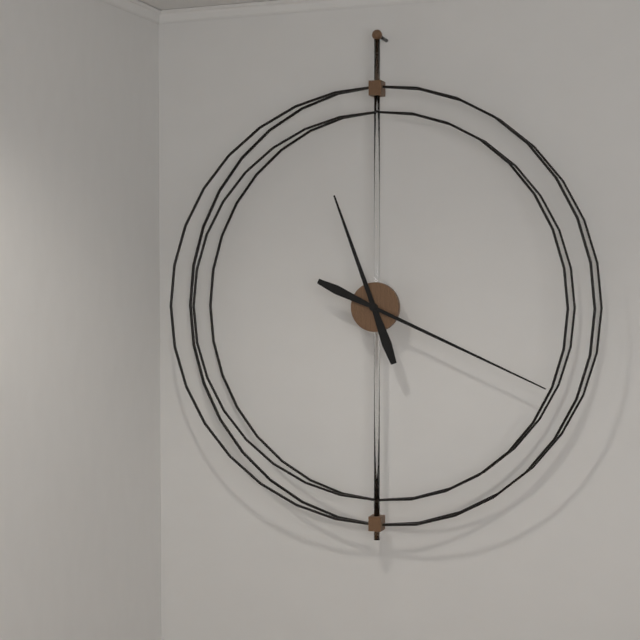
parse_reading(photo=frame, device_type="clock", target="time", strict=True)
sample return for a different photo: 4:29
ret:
11:19
